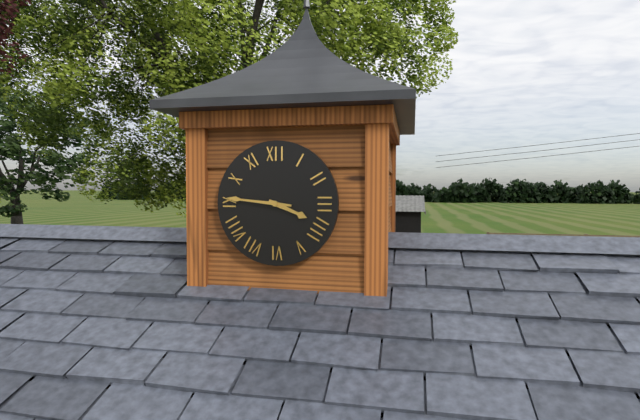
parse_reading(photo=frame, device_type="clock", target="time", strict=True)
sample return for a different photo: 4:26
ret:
3:46
